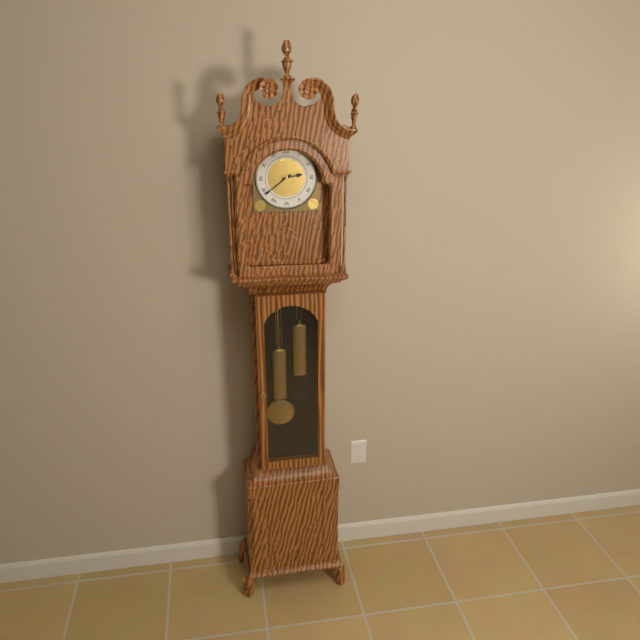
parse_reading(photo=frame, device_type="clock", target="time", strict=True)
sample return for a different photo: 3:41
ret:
2:39
